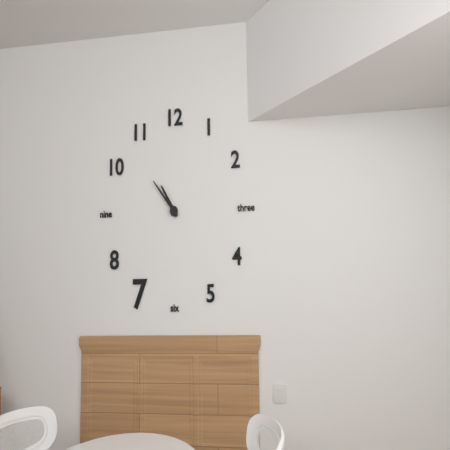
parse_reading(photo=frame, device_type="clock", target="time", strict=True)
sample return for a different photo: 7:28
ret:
10:53
